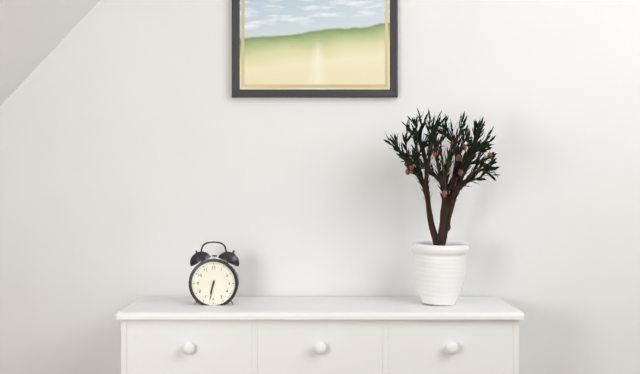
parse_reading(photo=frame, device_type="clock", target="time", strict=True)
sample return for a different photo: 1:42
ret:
6:32
